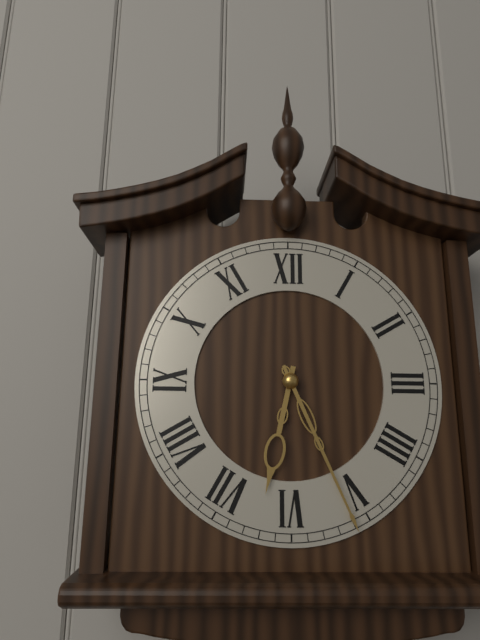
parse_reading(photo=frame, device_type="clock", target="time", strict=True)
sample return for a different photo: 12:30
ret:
6:26
